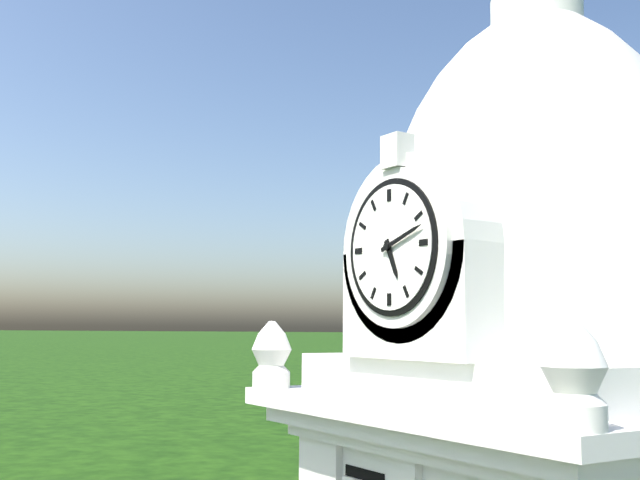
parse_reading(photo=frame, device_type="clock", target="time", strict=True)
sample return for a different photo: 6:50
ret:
5:12
